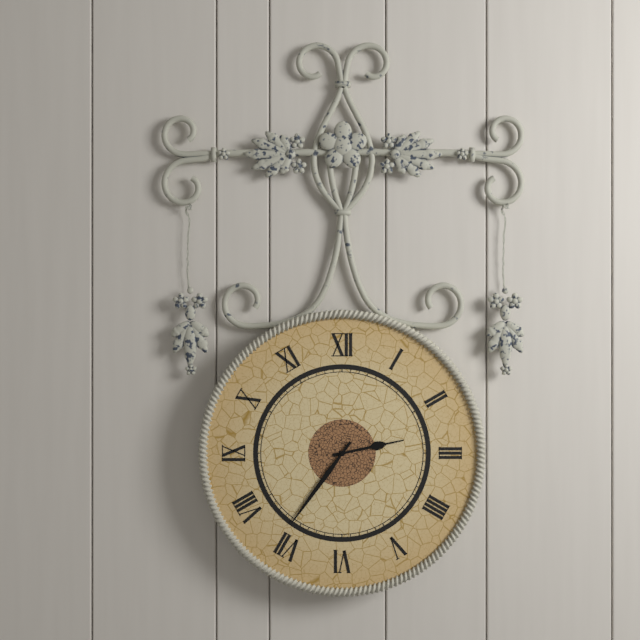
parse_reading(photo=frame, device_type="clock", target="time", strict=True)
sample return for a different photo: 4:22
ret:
2:36
